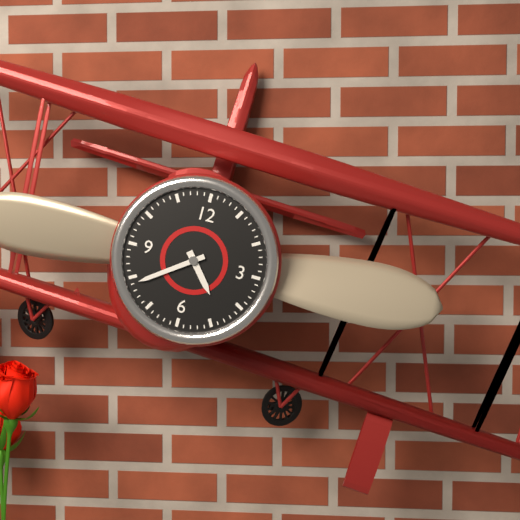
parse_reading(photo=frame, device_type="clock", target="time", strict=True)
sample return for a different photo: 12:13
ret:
4:39
